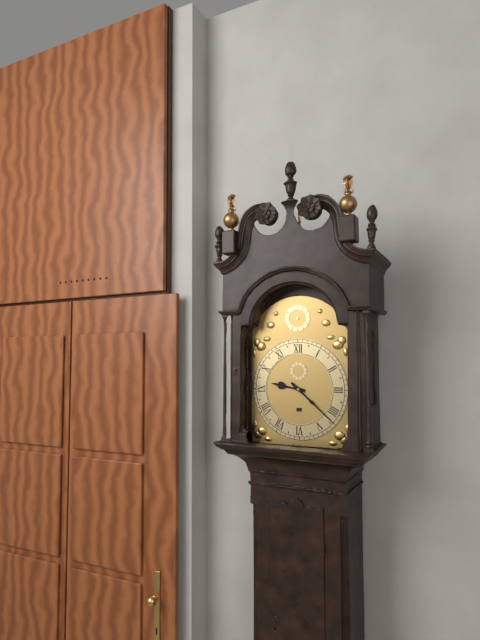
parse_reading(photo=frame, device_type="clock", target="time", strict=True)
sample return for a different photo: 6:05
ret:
9:22
